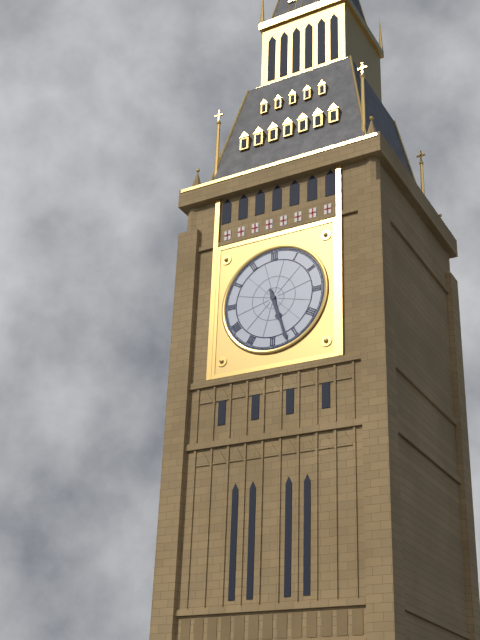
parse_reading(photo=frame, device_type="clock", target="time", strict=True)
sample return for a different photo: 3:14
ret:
5:27
